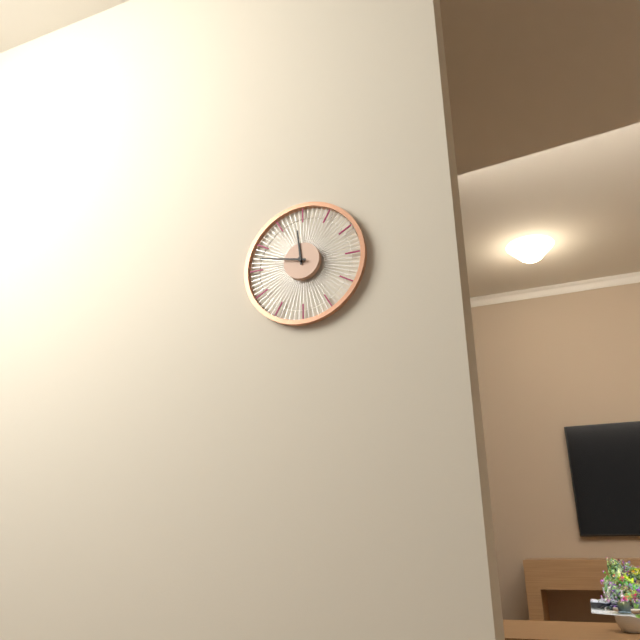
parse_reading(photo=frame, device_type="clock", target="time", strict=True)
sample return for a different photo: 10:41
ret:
11:47
